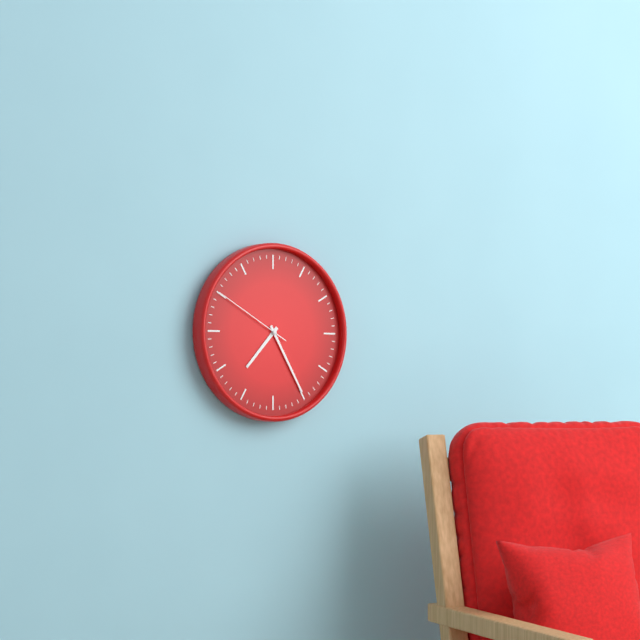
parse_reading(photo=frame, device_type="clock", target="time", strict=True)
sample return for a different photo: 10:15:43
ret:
7:25:50
